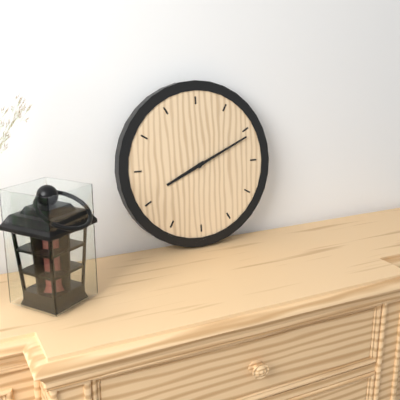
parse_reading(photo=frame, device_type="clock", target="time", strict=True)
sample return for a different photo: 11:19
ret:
8:11
